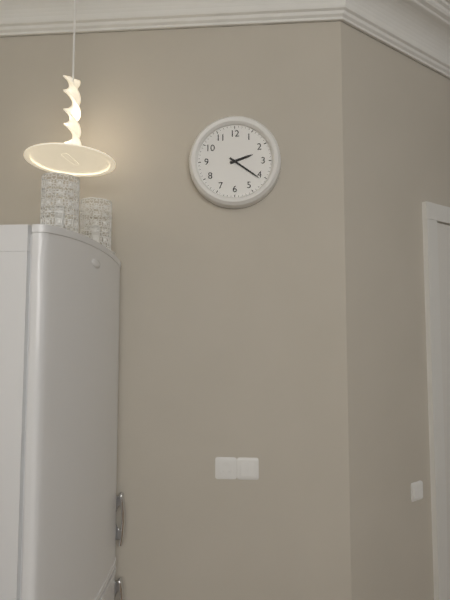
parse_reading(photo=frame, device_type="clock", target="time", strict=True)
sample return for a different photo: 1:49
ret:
2:21
